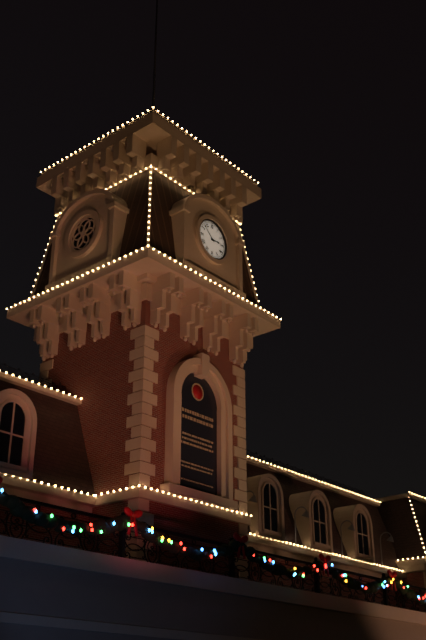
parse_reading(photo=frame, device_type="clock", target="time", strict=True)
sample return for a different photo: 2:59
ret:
2:52
